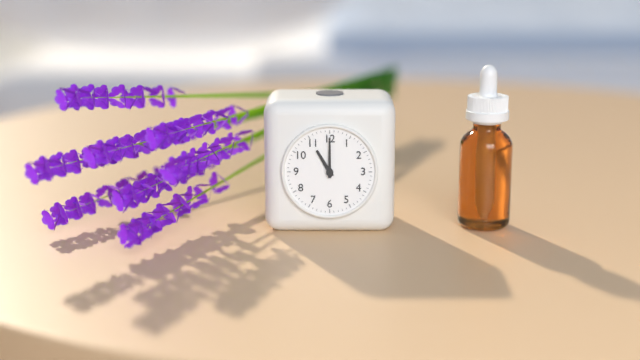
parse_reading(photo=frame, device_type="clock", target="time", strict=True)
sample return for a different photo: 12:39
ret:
11:00
